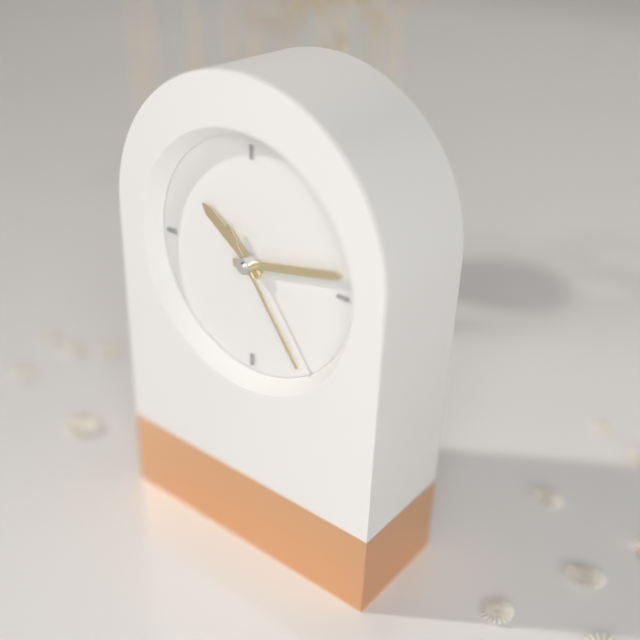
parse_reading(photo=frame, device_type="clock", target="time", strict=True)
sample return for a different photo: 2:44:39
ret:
10:13:24
